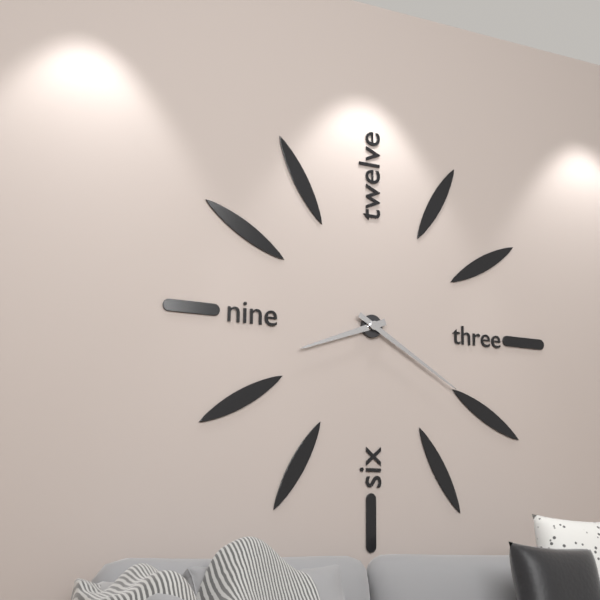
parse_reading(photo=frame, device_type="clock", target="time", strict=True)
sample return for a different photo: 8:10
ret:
8:20
